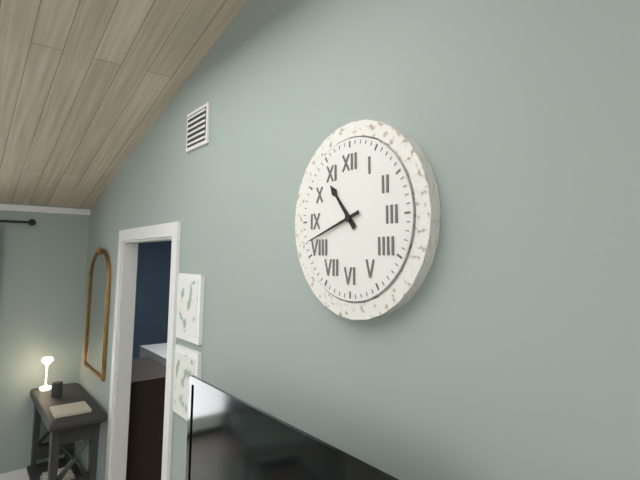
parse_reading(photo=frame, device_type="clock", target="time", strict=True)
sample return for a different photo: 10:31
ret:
10:42
